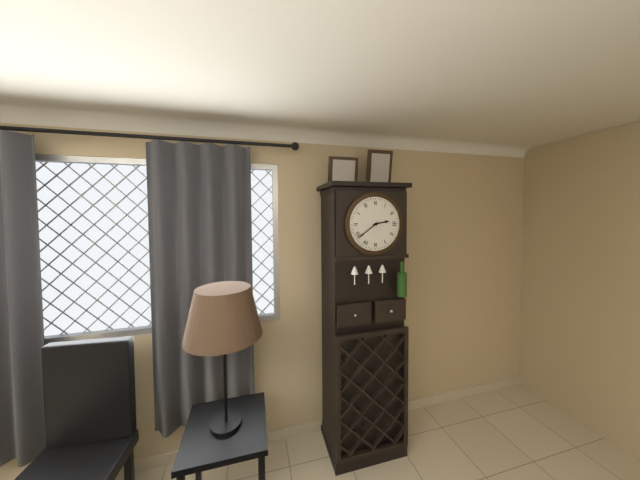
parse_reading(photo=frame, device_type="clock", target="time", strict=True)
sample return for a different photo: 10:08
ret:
2:39
